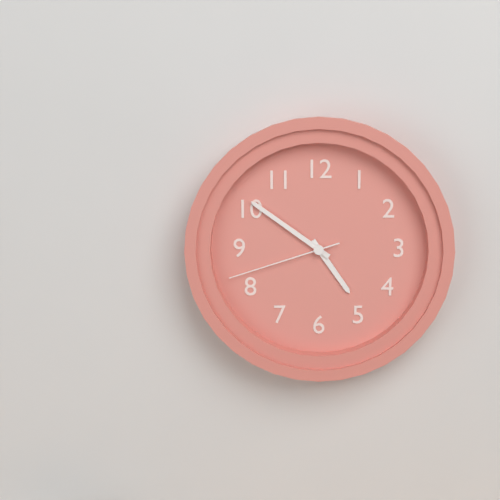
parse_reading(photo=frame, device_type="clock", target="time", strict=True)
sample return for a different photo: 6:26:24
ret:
4:51:42
